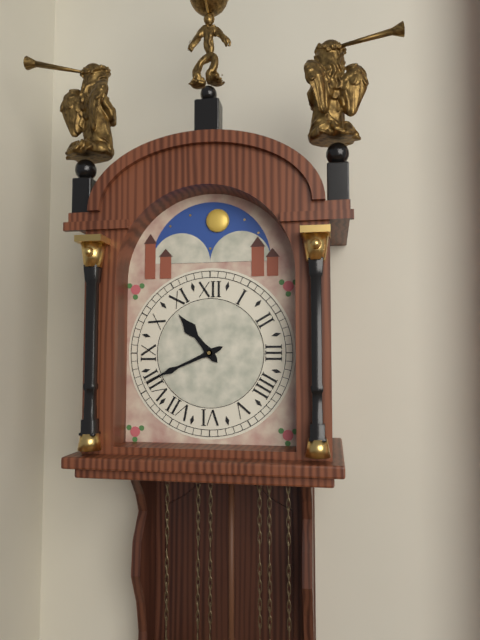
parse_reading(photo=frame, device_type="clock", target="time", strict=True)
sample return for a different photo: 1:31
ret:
10:41
